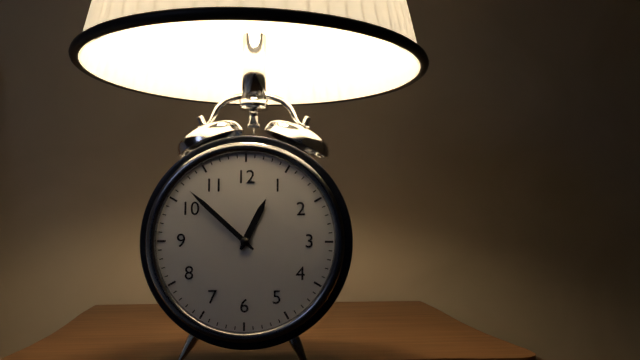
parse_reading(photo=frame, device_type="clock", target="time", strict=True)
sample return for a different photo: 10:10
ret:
12:52
